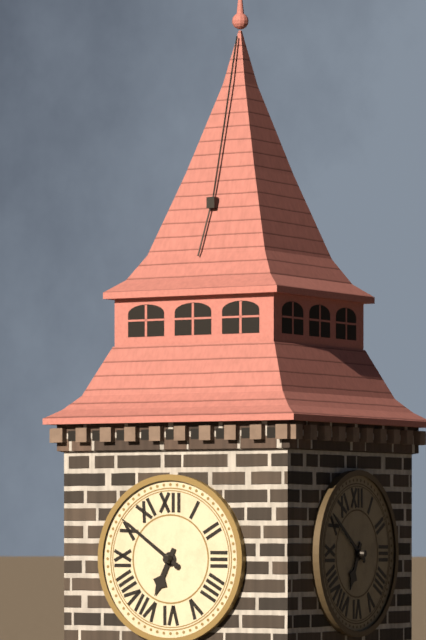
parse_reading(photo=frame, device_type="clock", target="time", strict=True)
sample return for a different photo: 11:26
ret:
6:51
